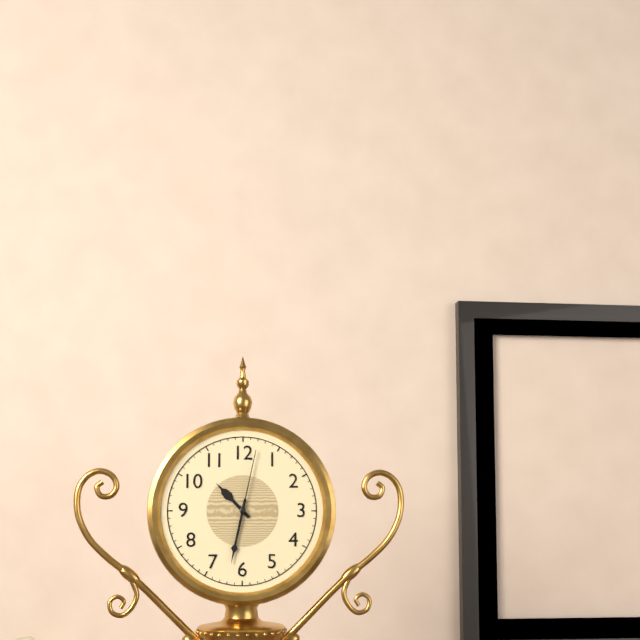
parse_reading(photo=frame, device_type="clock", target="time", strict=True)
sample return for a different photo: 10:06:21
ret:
10:32:02
